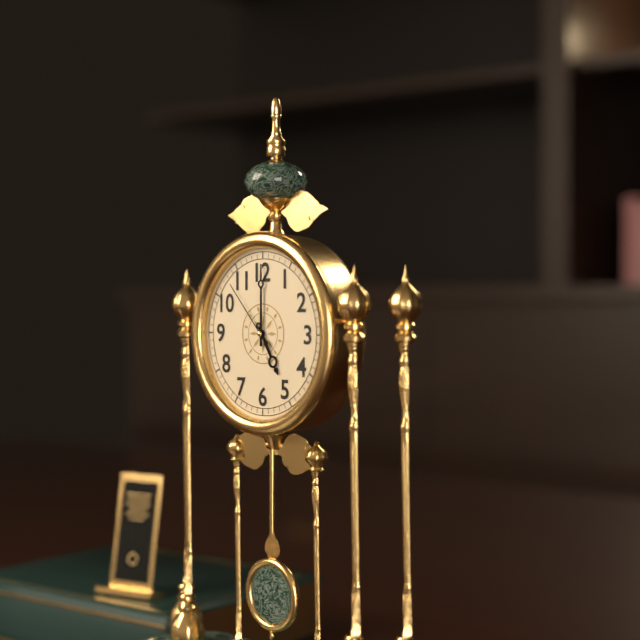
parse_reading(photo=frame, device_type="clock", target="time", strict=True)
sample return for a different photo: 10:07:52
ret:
5:00:53
